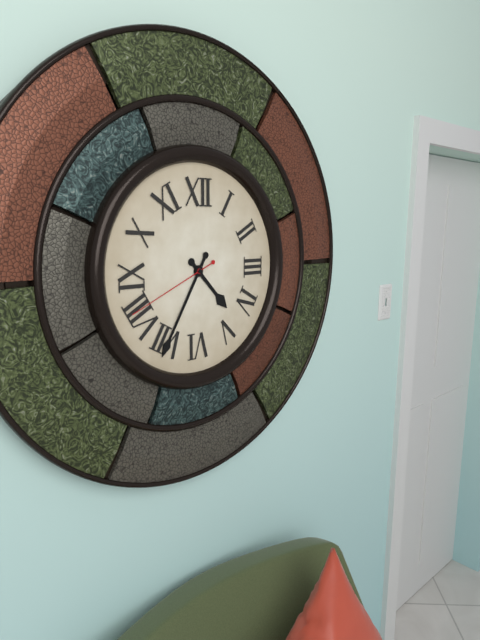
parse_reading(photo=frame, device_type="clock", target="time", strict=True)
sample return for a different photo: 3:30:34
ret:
4:35:41
